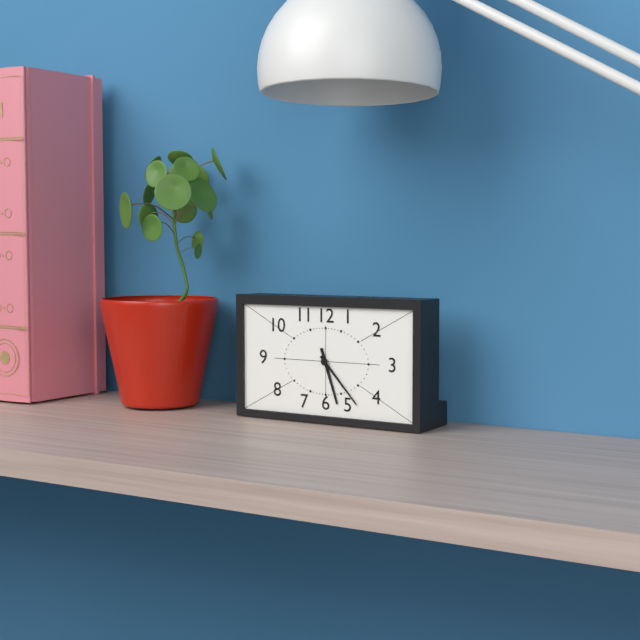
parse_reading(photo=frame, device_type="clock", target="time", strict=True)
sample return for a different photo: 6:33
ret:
5:23
